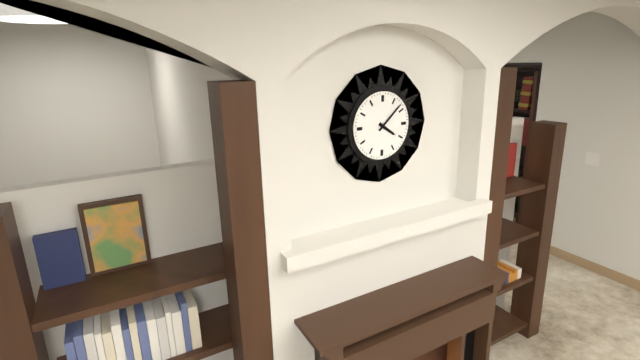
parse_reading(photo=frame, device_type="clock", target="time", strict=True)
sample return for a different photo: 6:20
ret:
4:08
